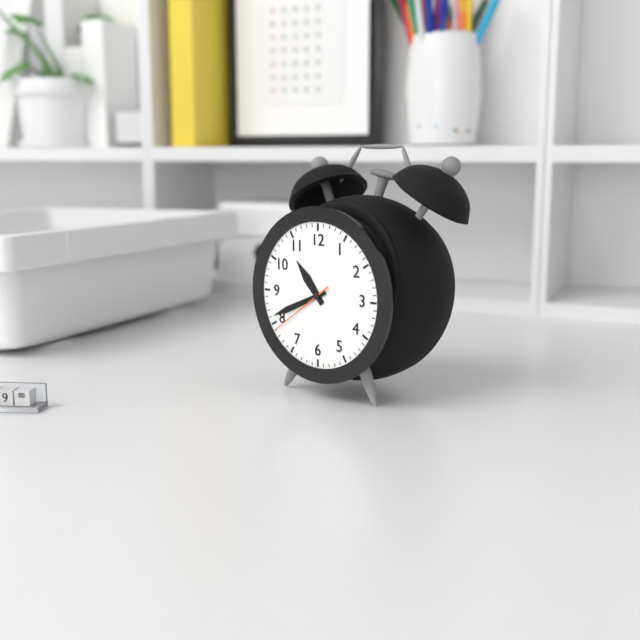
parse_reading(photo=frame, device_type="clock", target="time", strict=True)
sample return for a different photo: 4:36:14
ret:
10:41:39
